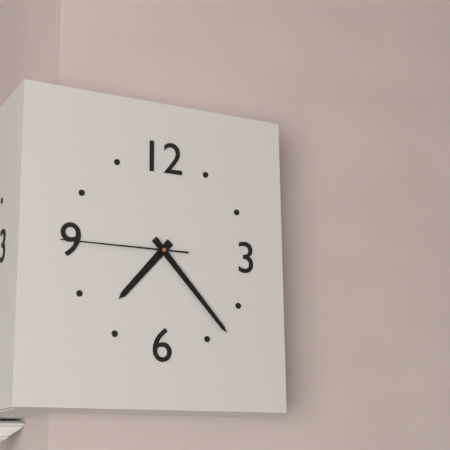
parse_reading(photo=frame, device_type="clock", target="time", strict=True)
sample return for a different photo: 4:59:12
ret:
7:23:45
